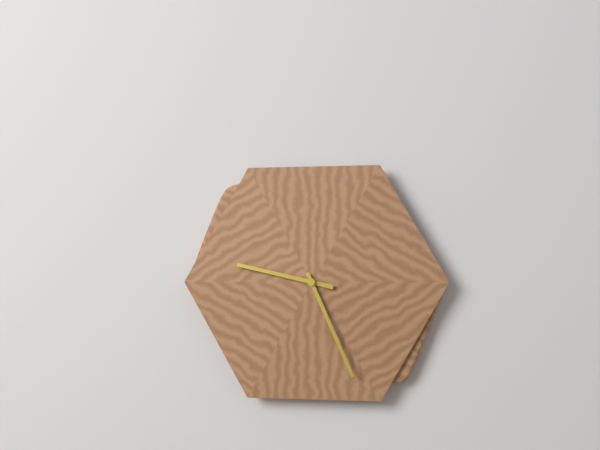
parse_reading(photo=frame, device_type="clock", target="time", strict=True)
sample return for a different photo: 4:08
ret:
9:26
